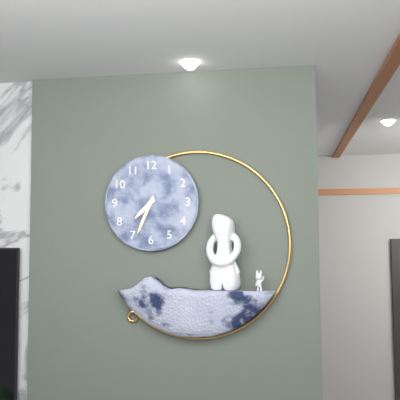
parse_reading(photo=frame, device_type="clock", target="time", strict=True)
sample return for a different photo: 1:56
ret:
7:34
